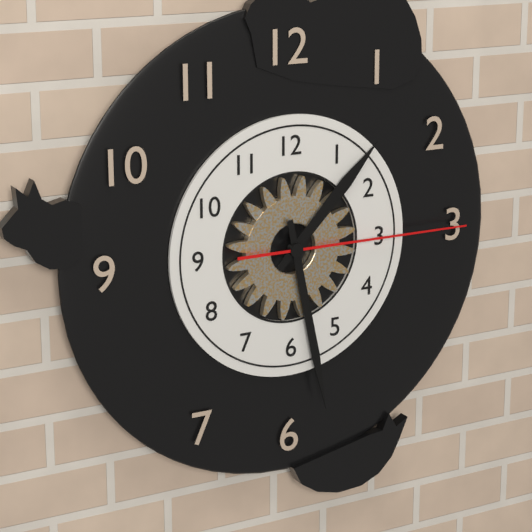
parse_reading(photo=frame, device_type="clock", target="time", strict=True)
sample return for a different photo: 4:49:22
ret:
1:28:15
